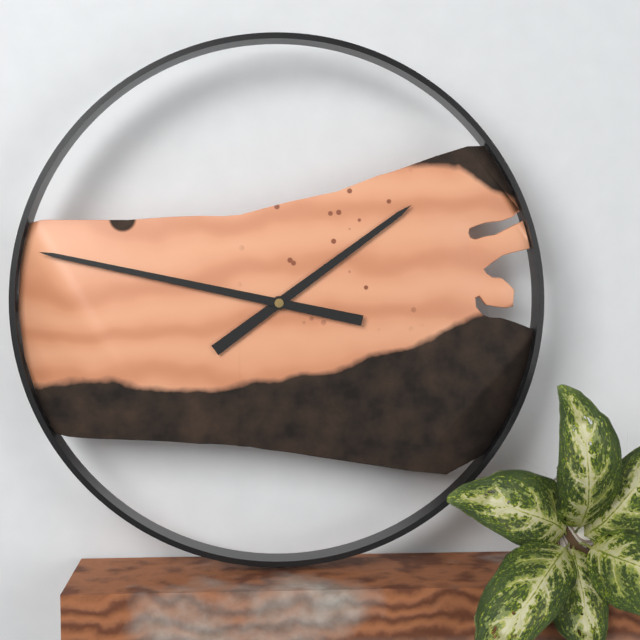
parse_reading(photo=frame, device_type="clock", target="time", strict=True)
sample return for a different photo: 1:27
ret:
1:47
